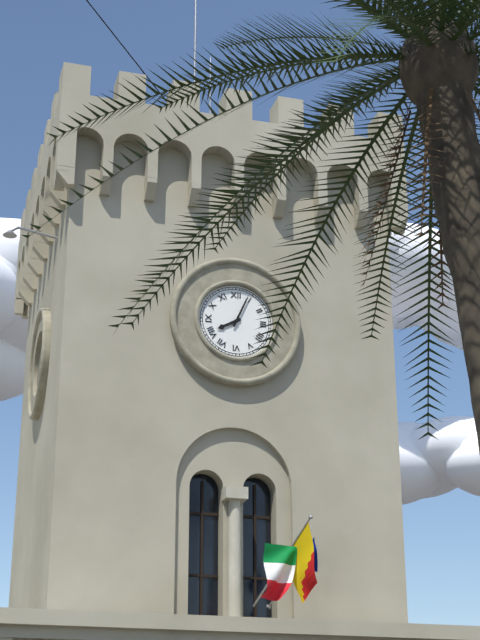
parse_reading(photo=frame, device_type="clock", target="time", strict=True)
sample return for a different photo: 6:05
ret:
8:04
